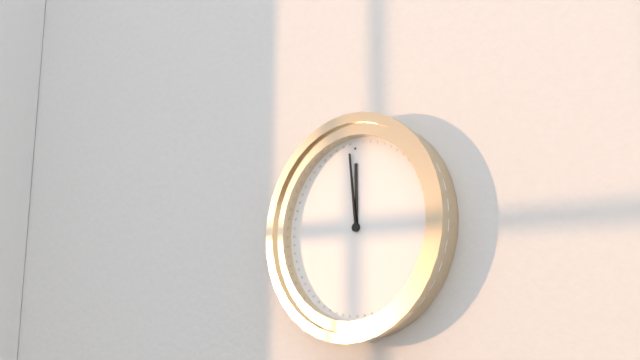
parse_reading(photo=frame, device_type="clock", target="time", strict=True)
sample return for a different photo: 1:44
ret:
11:59
